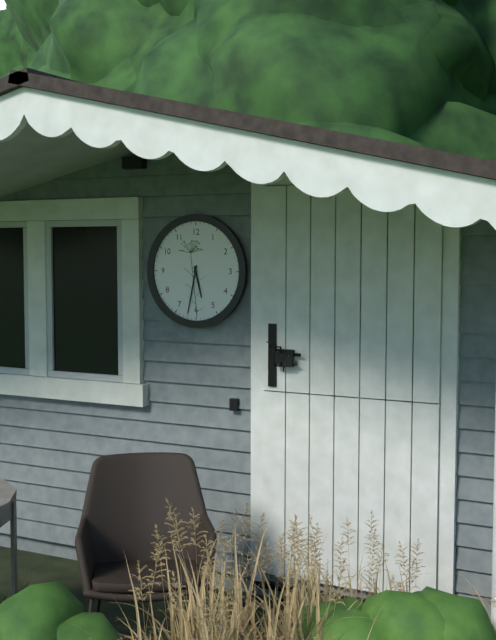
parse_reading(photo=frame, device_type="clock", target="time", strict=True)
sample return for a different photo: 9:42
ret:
5:32
